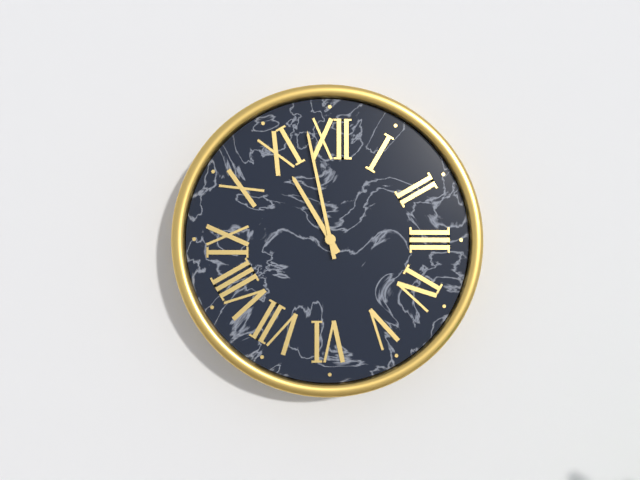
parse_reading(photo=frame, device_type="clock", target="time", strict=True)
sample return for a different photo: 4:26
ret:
10:58
